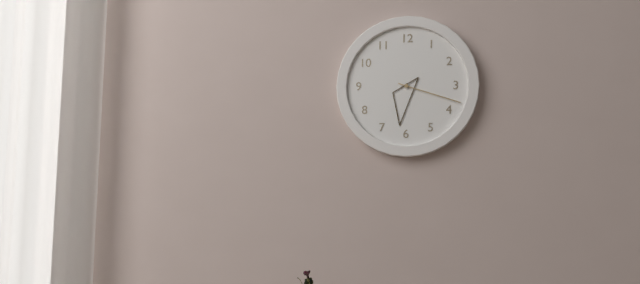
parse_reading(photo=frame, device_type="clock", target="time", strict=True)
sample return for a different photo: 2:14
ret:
6:18
